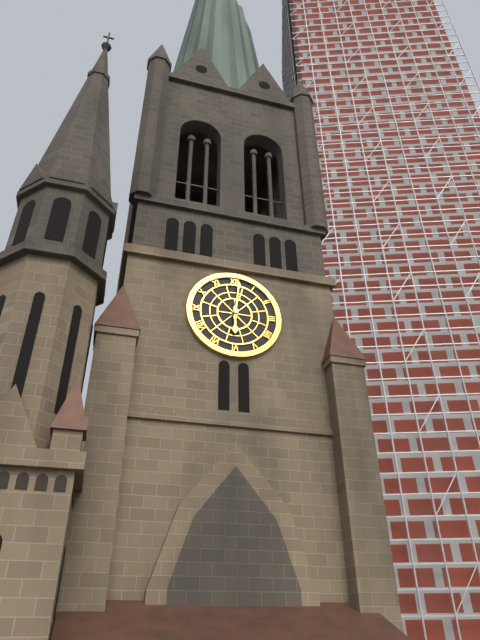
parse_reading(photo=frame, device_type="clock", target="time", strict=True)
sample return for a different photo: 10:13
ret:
6:01
